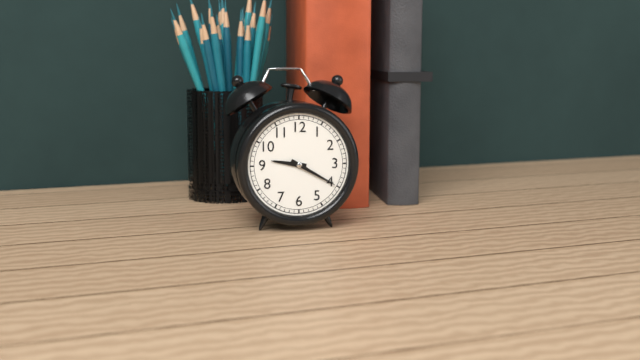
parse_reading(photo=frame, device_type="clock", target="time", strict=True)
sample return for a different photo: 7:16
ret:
9:20
